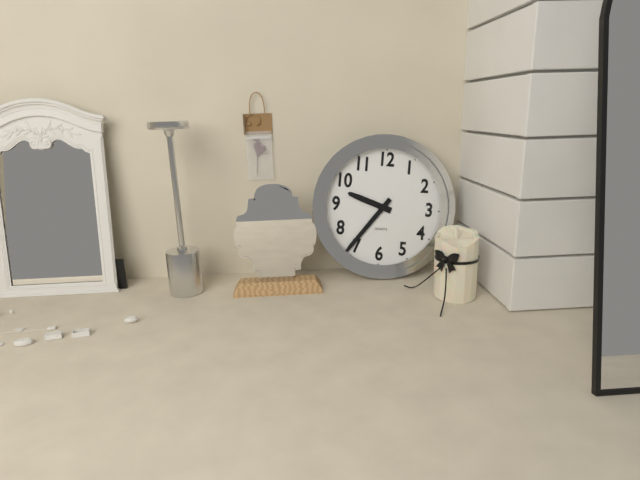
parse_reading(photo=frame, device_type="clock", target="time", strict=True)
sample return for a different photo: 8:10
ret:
9:36
